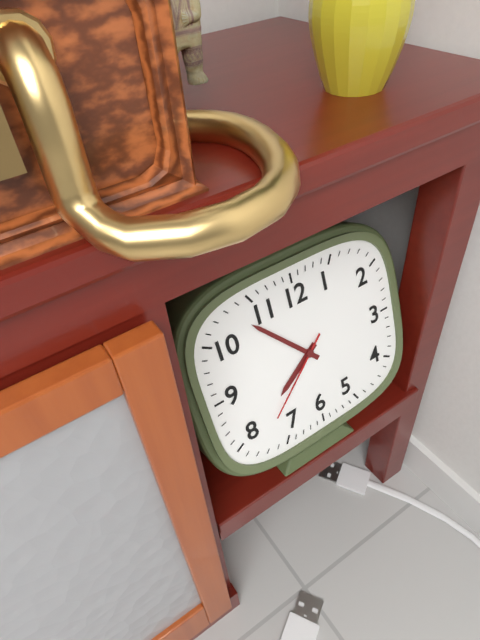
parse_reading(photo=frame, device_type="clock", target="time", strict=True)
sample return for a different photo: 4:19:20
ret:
7:53:38
